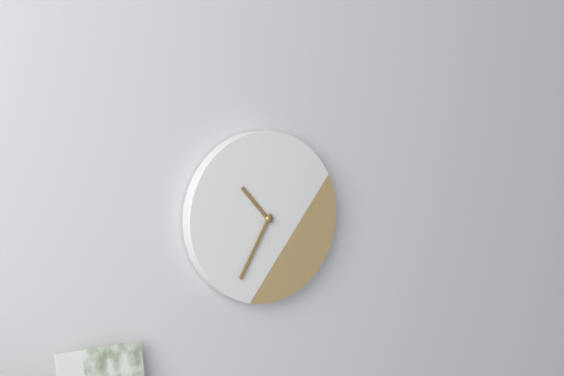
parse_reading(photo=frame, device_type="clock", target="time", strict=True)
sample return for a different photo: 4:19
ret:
10:35
